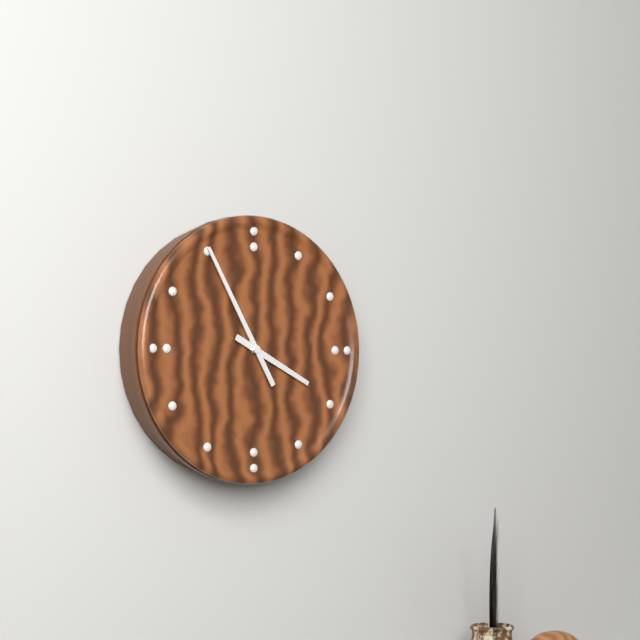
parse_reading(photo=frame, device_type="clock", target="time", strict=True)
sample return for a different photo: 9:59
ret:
3:55
